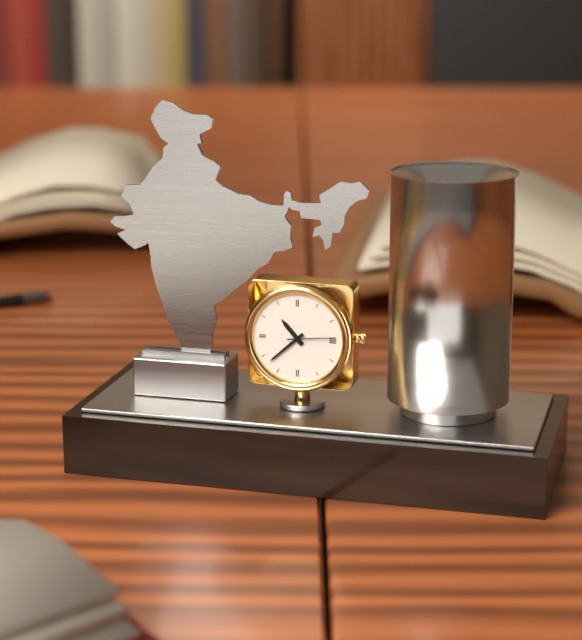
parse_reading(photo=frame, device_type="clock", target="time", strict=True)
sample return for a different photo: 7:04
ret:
10:38
